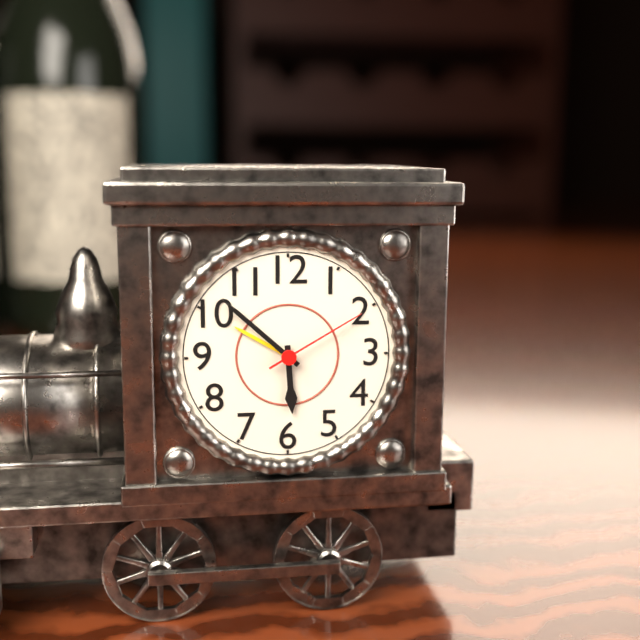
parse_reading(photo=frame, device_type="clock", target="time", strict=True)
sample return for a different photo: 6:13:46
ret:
5:52:10
